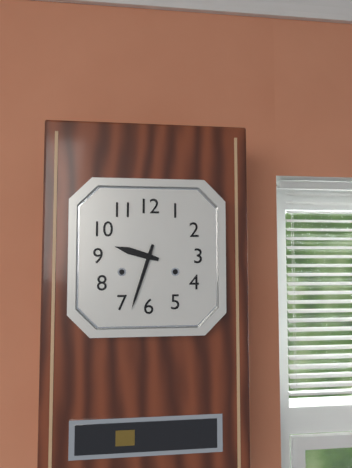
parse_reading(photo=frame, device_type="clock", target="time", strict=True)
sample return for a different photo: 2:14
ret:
9:33
